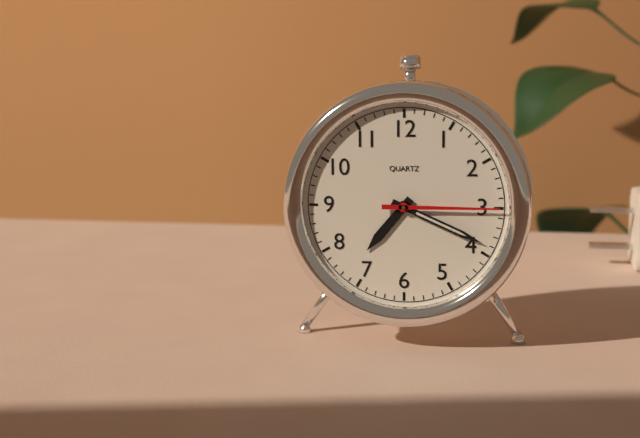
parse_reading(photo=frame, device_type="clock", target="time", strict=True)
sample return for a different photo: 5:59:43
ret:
7:19:15
